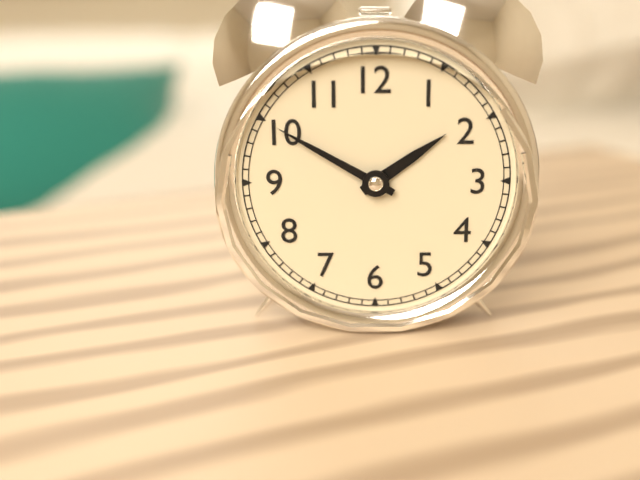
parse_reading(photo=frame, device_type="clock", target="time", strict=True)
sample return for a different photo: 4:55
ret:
1:50
